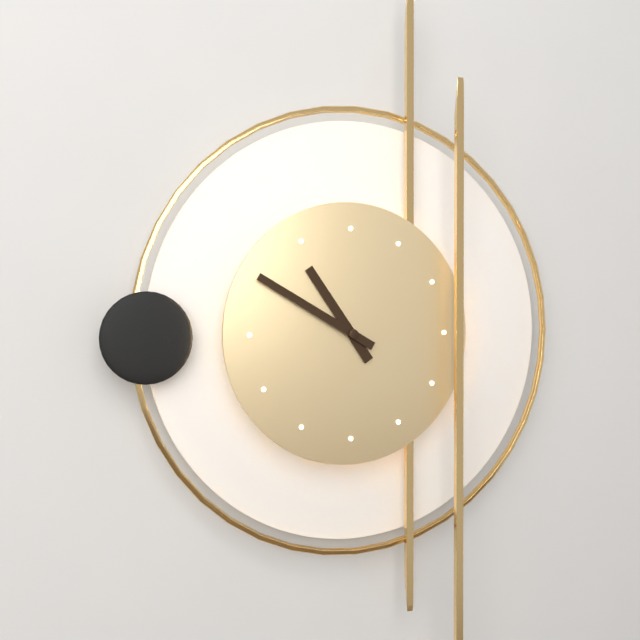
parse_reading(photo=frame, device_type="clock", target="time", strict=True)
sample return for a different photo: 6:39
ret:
10:50
